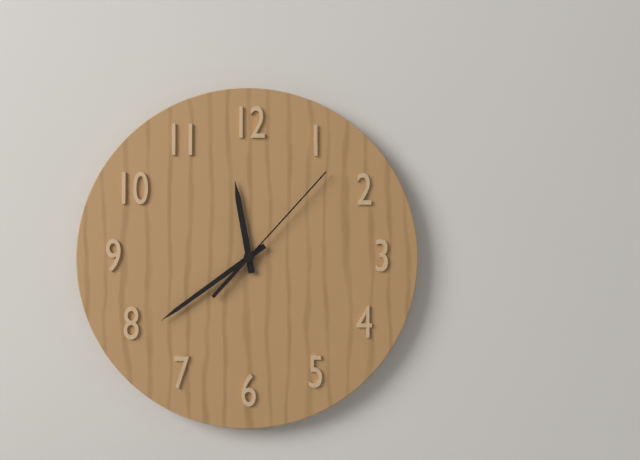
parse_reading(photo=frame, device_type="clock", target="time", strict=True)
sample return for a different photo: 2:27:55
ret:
11:39:07
